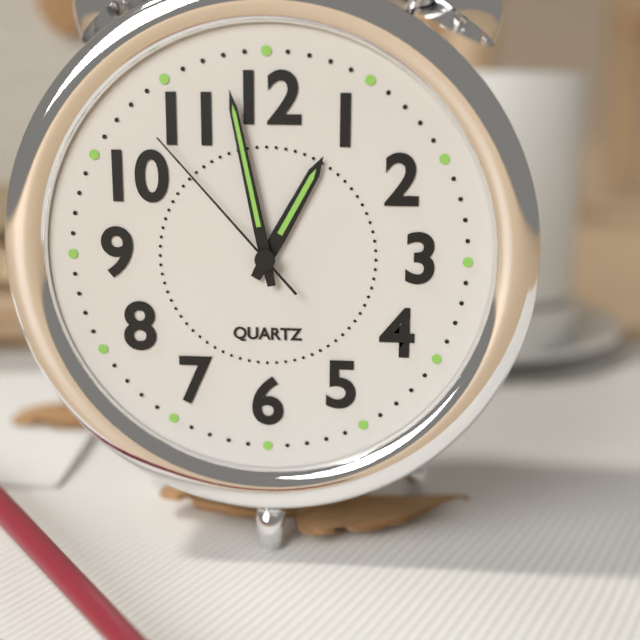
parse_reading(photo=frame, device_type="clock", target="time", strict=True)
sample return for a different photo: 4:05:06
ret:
12:58:53
